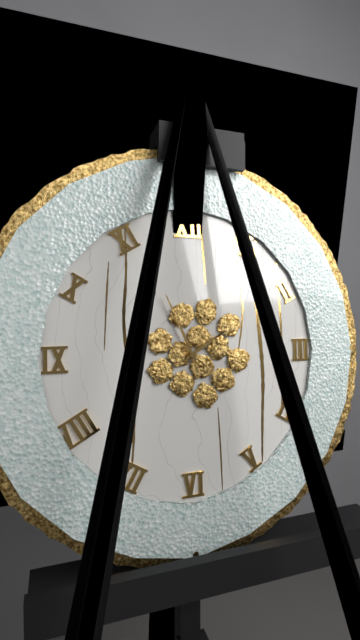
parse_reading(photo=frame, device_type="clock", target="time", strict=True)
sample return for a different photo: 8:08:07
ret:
1:56:22
